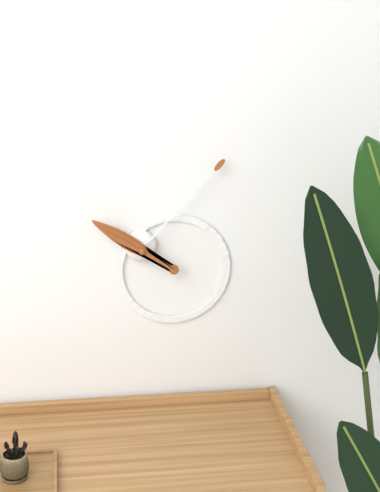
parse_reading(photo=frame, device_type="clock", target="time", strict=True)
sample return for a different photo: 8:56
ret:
10:07
